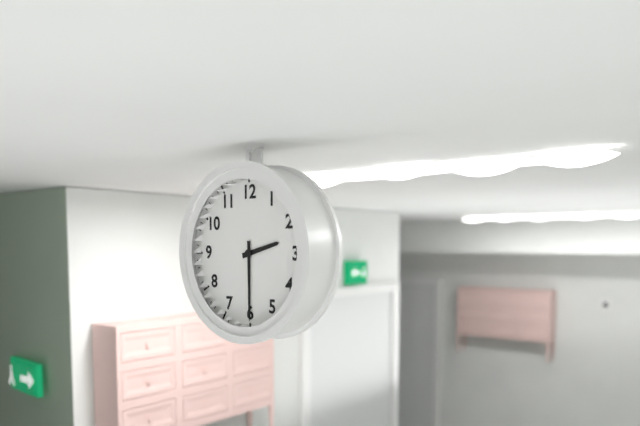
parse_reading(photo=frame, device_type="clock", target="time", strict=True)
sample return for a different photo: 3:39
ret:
2:30
